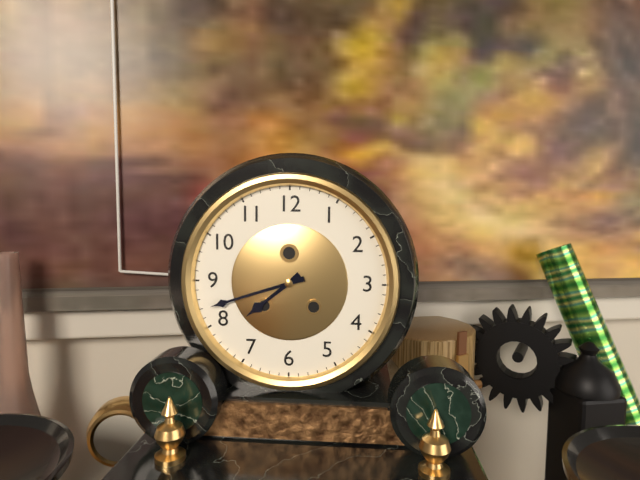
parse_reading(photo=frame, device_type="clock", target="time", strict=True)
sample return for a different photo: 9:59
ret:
7:42
